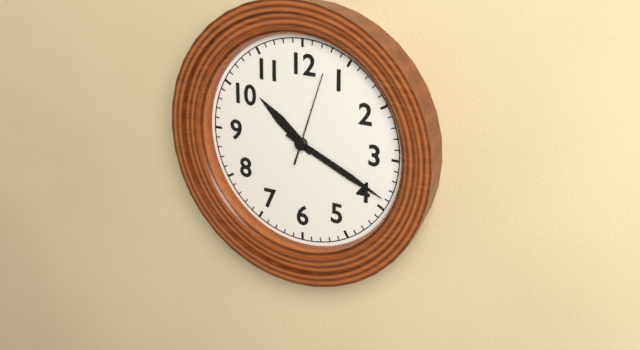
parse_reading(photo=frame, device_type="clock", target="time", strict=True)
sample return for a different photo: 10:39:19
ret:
10:19:03
